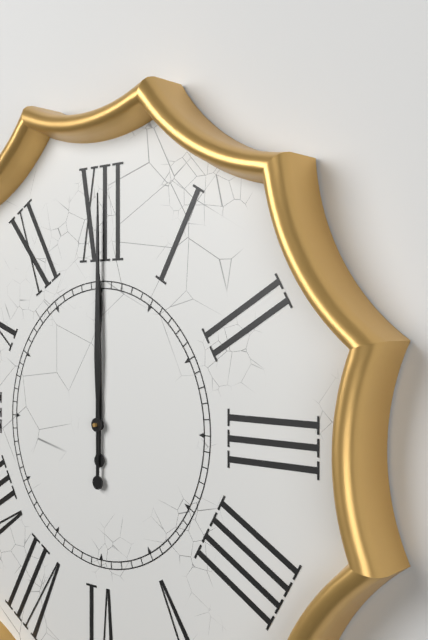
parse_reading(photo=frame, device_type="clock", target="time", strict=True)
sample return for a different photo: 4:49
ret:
12:00
